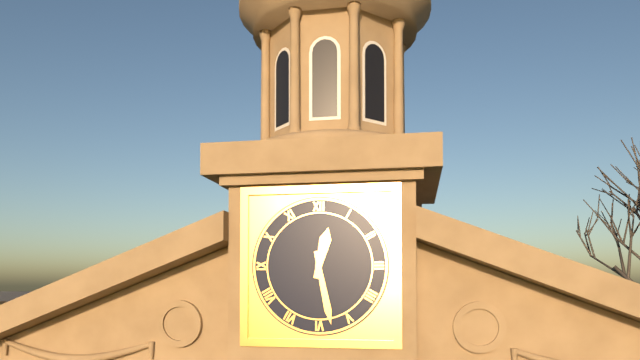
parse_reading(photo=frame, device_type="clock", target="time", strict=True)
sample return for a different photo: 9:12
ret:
12:28
